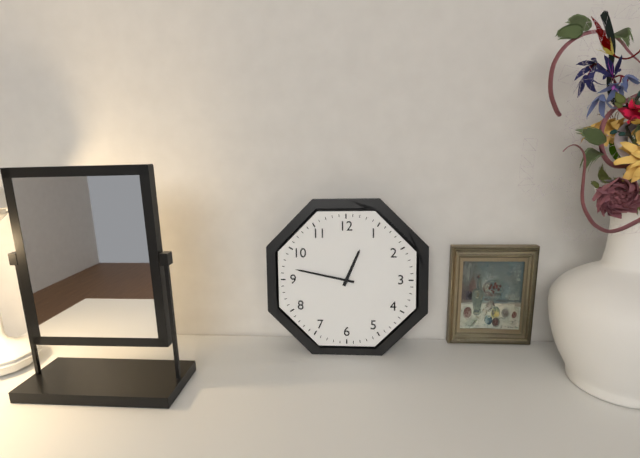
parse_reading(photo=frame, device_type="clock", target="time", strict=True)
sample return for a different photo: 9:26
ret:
12:47
